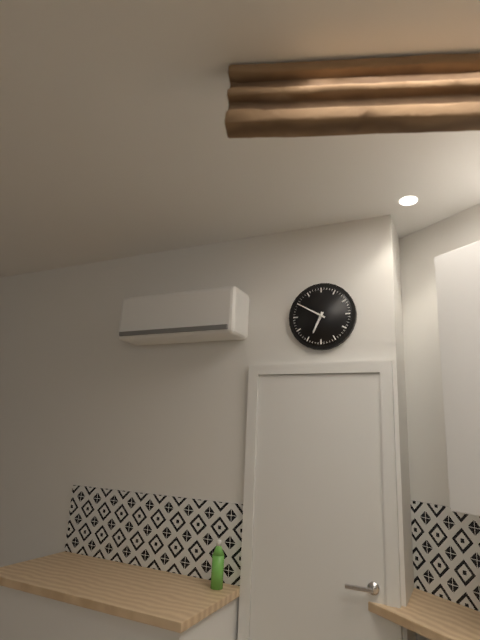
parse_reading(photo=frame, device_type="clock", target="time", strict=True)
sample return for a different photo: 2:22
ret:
6:50
